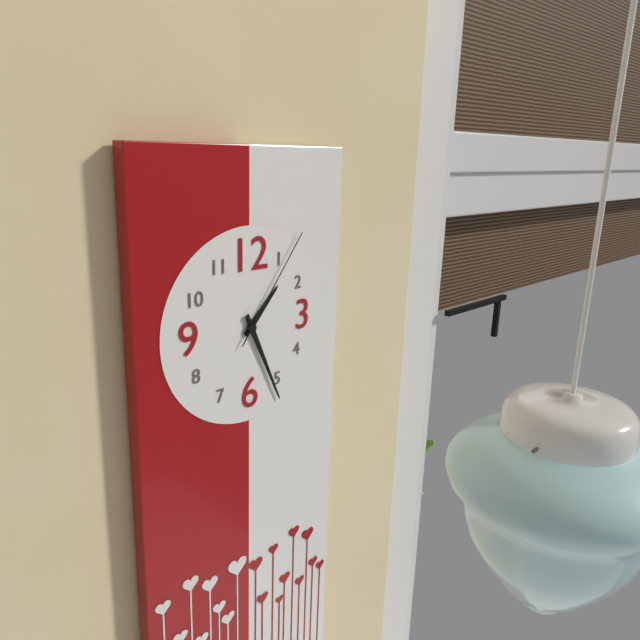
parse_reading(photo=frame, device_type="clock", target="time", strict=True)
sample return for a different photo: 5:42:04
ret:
1:26:06
